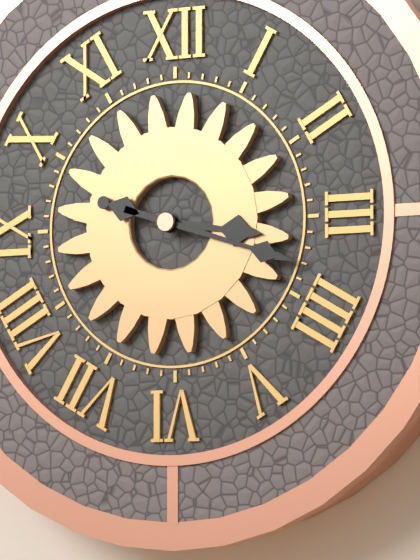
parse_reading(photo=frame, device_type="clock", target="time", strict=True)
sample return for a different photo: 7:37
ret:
3:18
